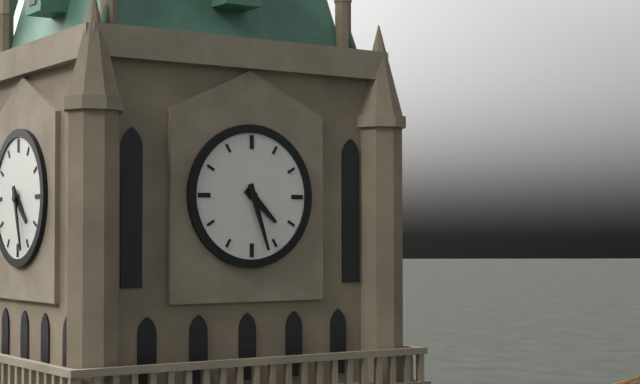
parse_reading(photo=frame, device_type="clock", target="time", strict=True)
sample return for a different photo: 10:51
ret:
4:27
